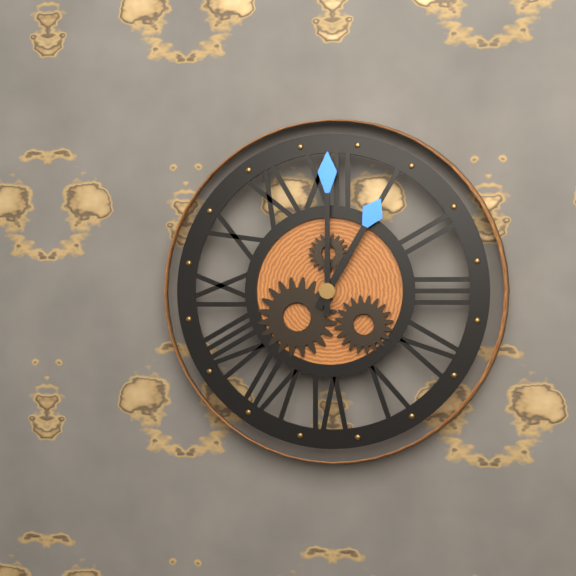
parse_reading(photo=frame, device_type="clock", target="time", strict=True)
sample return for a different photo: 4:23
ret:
1:00
